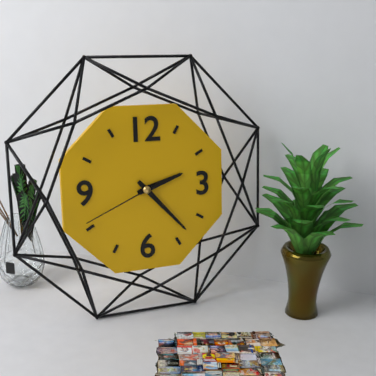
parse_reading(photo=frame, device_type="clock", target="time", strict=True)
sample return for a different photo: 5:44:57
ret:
2:23:41
